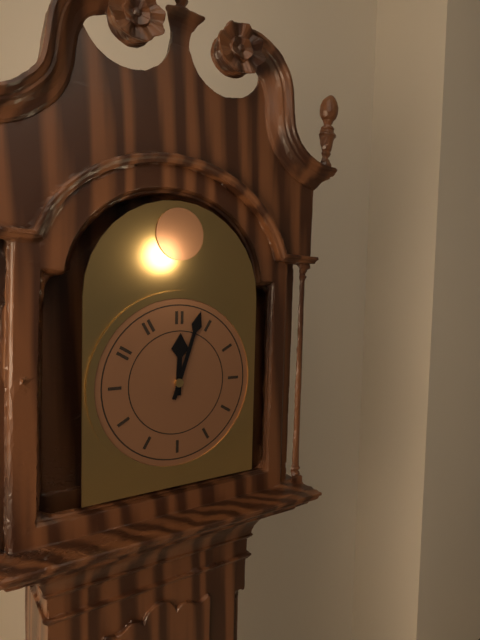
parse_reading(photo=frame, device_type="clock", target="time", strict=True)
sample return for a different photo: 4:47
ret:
12:03
